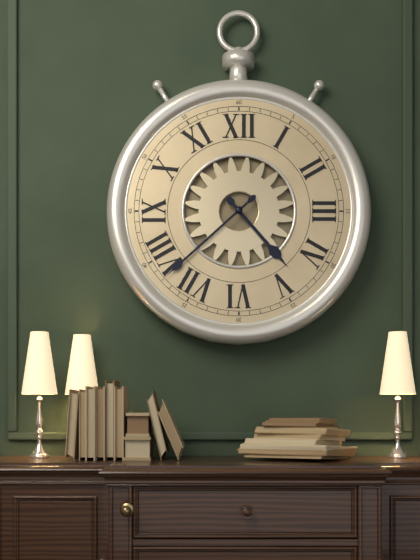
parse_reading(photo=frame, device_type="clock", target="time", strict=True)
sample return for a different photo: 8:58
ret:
4:38
